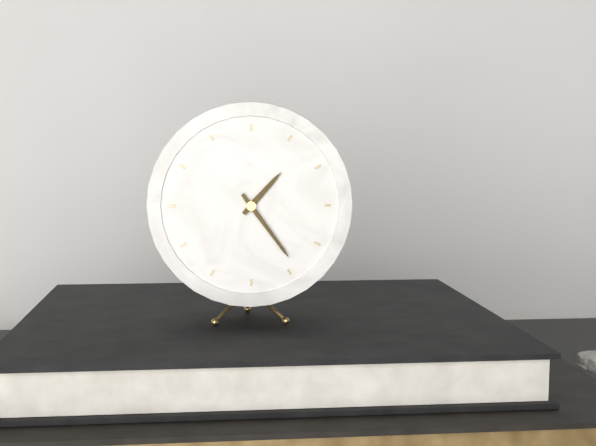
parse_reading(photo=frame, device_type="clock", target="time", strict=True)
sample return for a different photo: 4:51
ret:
1:24
